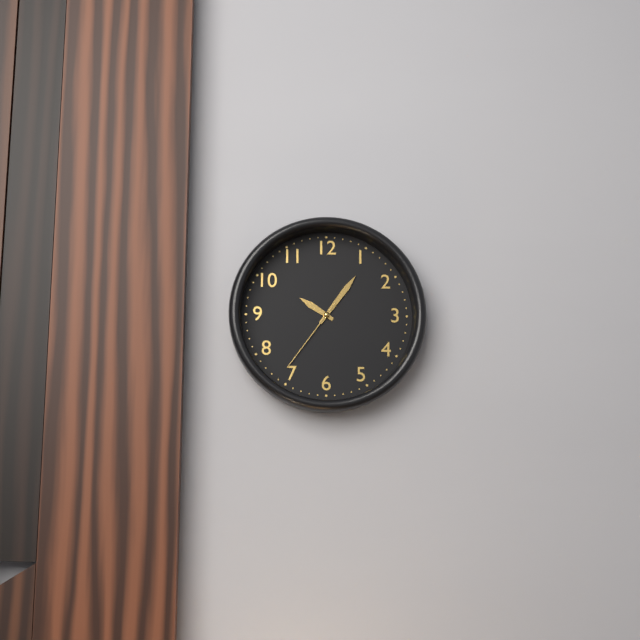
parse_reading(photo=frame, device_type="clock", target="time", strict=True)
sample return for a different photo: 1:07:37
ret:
10:06:36
